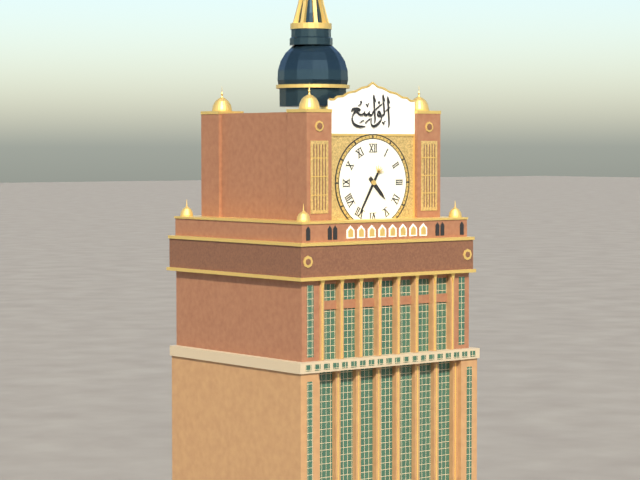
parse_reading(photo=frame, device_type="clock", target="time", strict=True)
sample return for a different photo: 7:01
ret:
4:35
